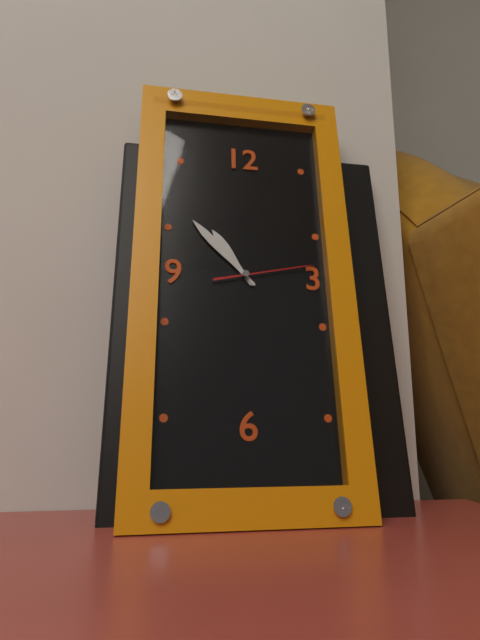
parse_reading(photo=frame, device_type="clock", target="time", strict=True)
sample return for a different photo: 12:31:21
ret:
10:53:13
